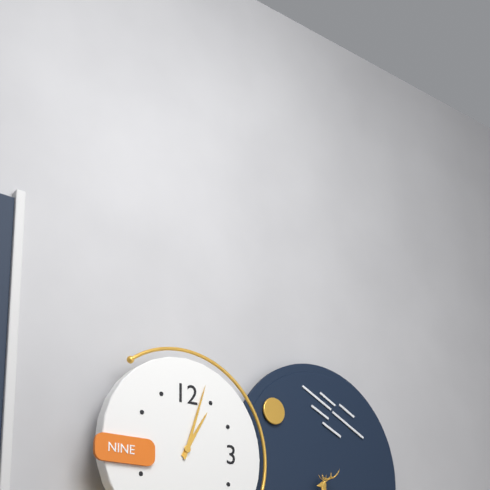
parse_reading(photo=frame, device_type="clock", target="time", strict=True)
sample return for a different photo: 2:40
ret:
1:03
